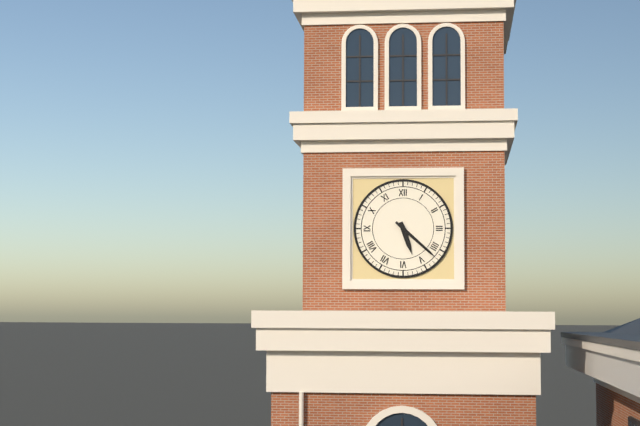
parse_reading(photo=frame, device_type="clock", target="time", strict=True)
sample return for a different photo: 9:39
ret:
5:22
